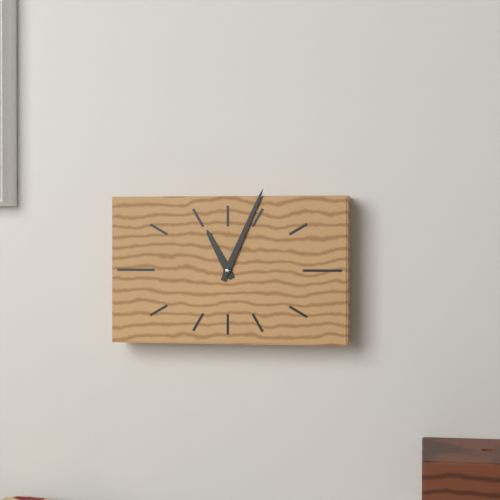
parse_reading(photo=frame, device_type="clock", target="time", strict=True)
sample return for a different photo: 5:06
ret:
11:04
